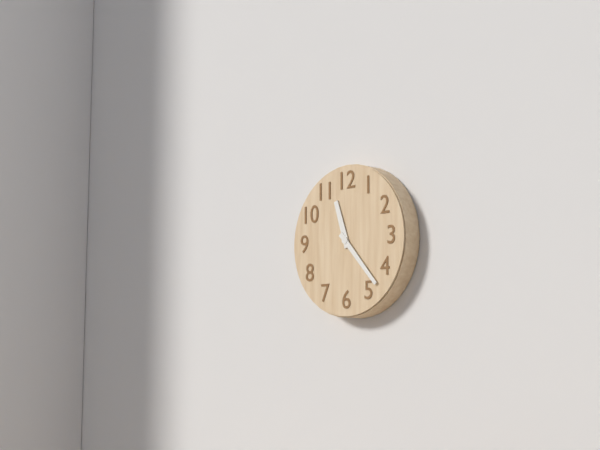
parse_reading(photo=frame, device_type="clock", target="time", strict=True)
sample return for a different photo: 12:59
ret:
11:23
